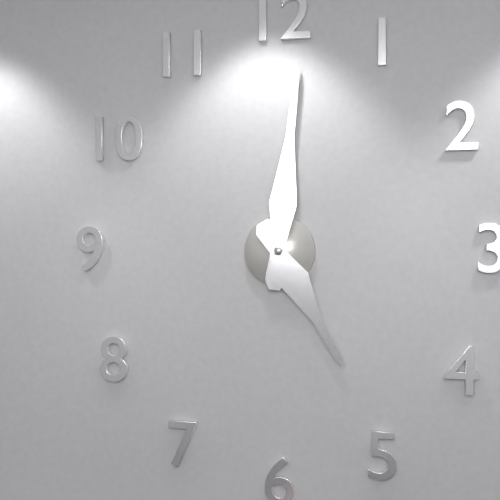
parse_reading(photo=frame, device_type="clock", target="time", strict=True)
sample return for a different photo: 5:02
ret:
5:01
